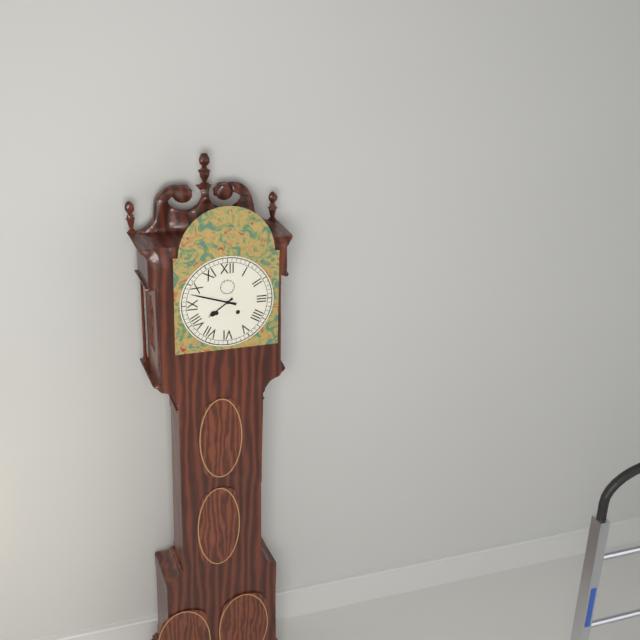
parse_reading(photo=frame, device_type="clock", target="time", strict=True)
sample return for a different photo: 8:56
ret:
7:48
